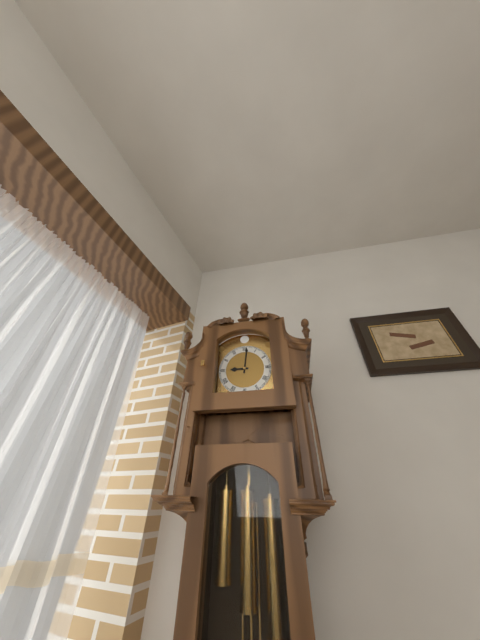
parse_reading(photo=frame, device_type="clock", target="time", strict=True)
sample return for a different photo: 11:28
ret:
9:01
